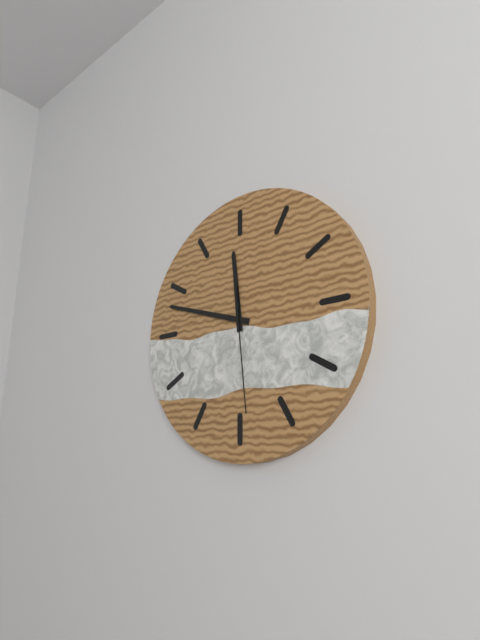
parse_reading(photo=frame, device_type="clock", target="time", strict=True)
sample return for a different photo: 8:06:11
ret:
11:48:29
